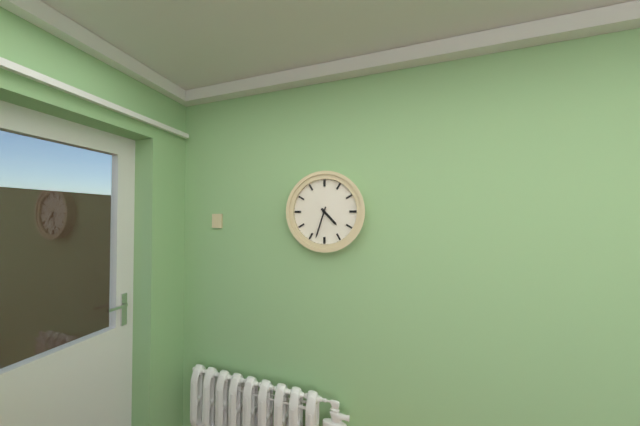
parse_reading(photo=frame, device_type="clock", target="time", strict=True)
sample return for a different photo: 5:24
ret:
4:33
